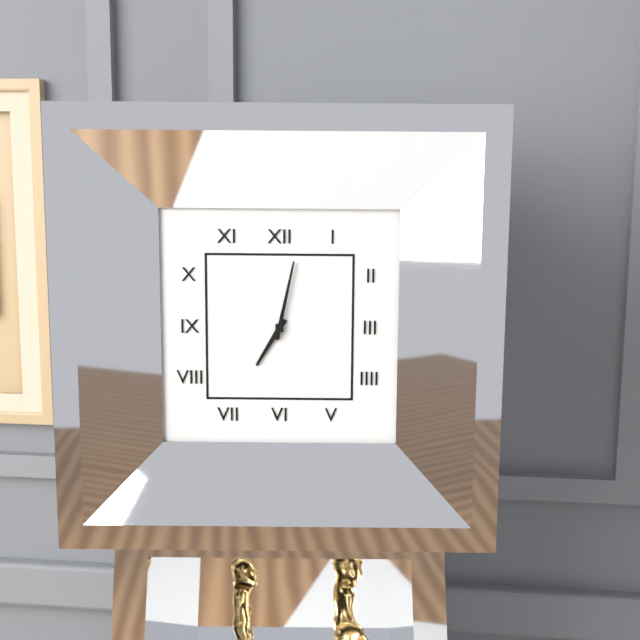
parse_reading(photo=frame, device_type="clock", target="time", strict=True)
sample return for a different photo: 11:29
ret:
7:02
